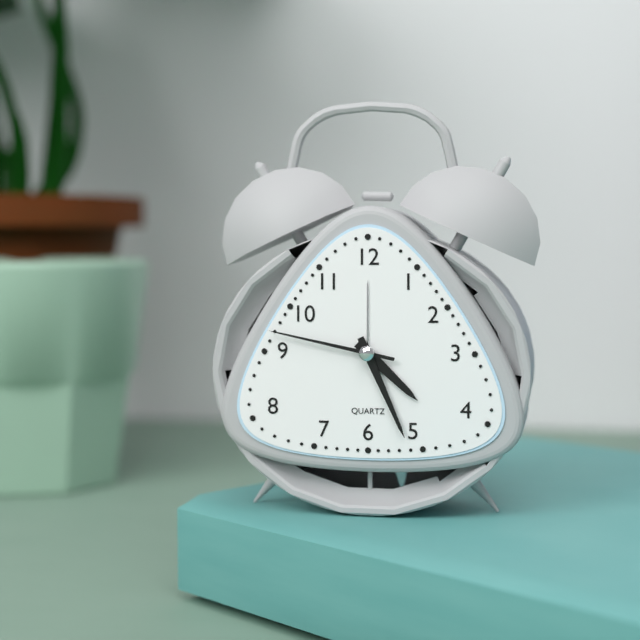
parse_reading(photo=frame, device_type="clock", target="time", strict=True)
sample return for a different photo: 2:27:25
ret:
4:26:47
